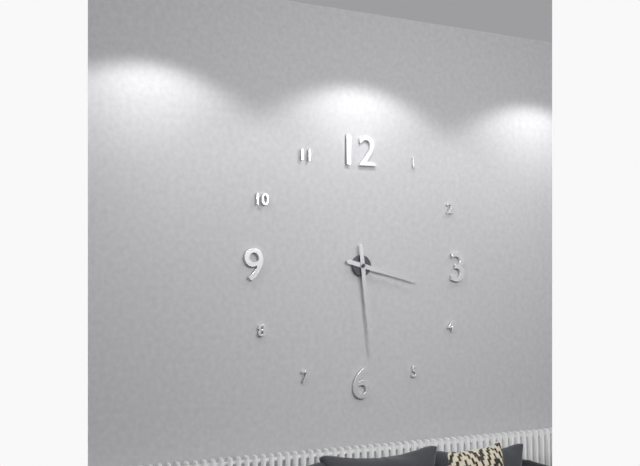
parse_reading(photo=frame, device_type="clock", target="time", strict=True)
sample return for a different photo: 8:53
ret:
3:29
